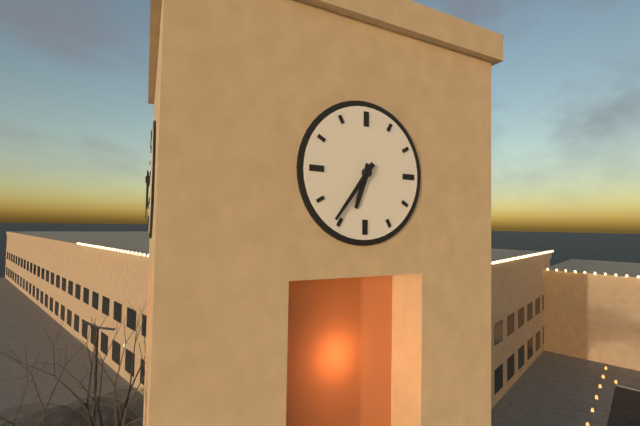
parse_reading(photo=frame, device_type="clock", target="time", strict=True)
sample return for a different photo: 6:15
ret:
6:36
